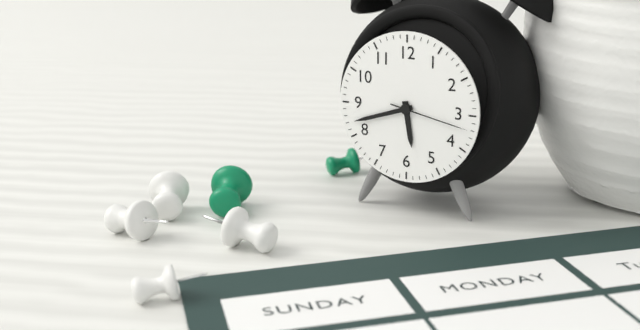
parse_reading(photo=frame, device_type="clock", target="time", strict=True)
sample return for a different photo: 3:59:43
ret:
5:42:17
